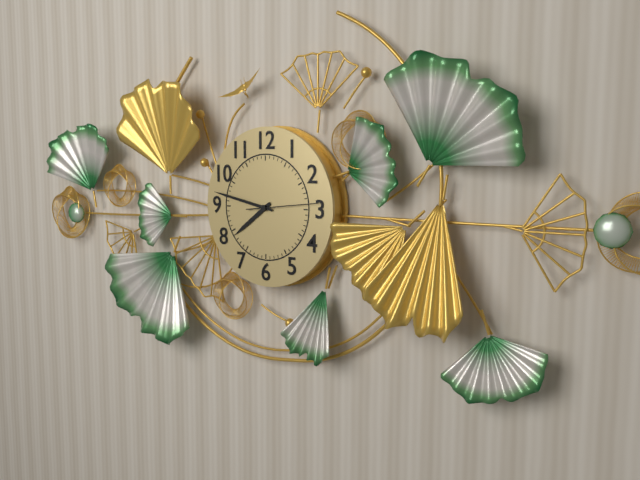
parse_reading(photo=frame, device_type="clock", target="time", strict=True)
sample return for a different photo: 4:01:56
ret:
7:47:14
